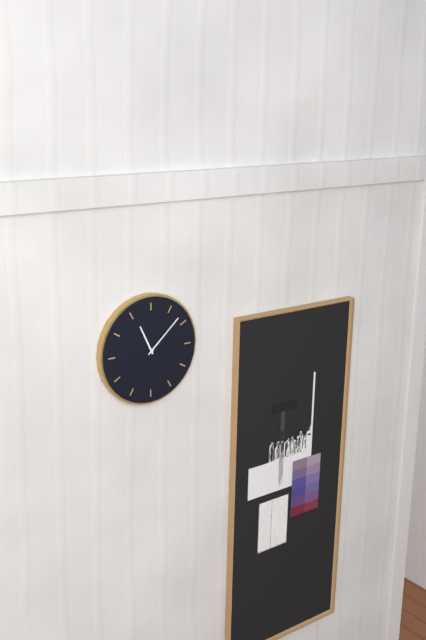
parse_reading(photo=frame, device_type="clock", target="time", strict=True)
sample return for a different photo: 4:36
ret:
11:08
